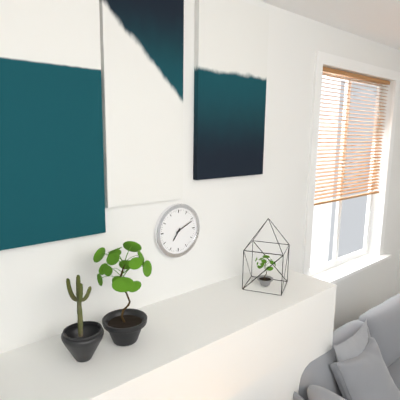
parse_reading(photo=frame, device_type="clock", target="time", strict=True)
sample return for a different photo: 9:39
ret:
7:11
